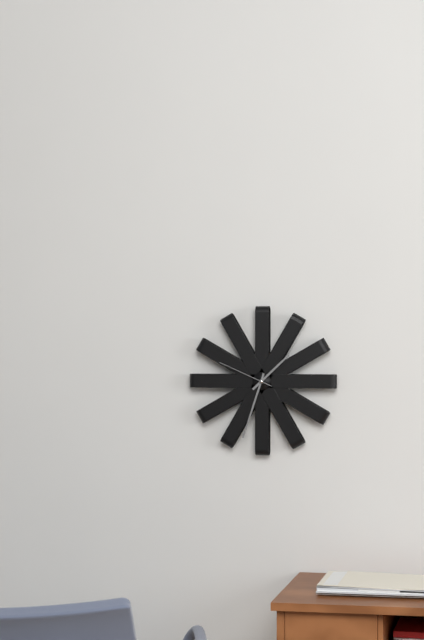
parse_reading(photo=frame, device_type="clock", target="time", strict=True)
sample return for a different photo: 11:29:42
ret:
1:33:49
